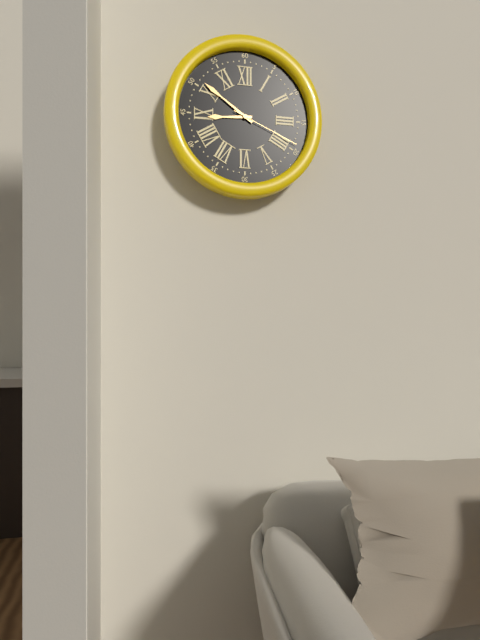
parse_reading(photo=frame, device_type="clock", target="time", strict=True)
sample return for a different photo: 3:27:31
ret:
8:51:19
